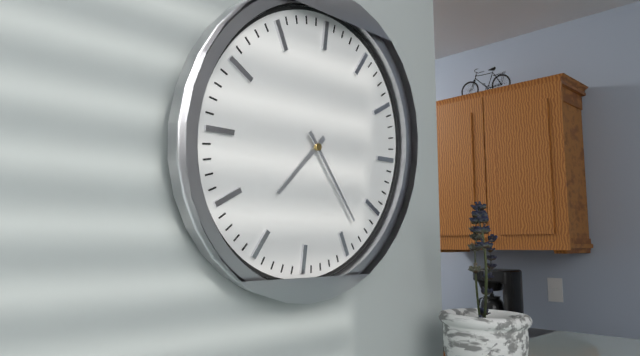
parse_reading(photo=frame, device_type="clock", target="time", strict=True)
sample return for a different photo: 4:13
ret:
7:23
